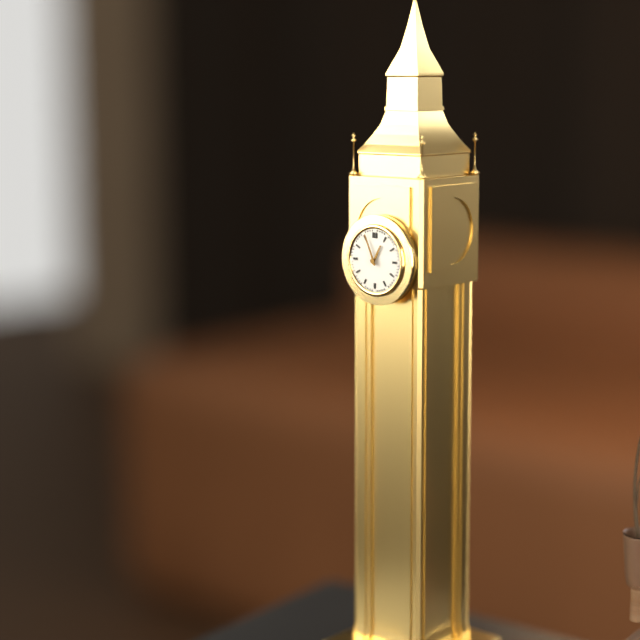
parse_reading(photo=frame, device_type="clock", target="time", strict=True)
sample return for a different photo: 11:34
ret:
12:56
